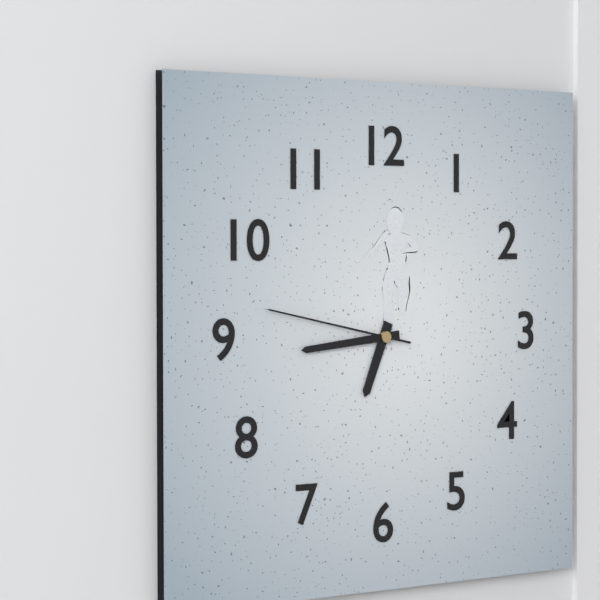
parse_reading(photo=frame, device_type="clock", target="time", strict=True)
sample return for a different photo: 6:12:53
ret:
6:44:47
